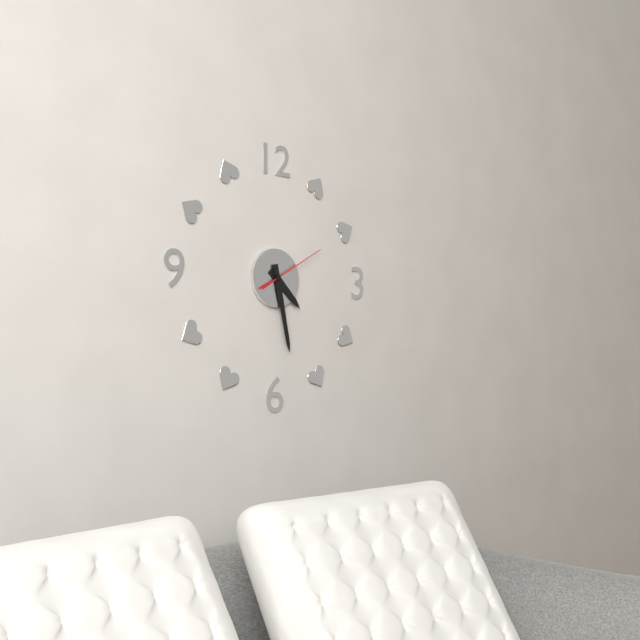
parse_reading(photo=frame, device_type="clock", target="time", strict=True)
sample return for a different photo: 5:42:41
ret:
4:28:10
